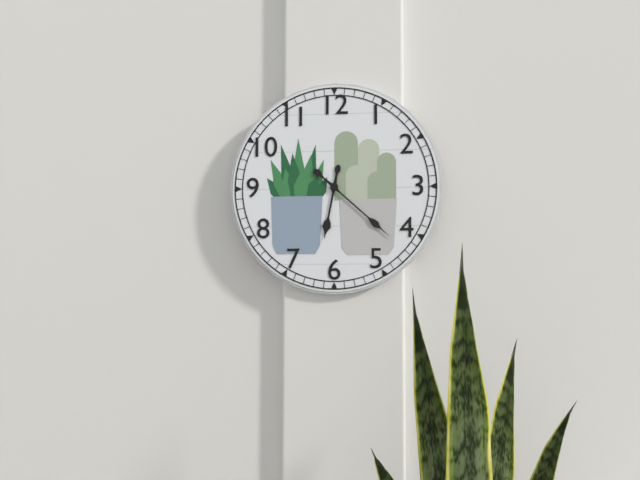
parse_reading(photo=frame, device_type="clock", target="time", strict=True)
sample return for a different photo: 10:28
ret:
6:22
